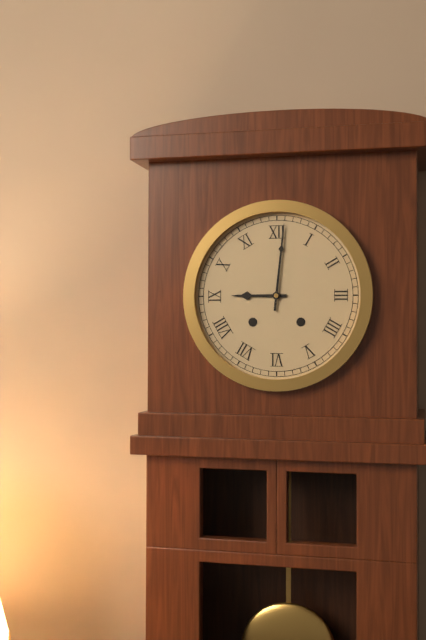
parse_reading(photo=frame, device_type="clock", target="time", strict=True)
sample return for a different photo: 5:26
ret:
9:01
